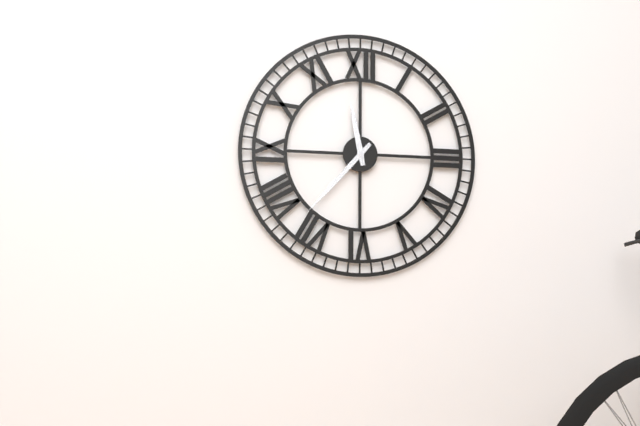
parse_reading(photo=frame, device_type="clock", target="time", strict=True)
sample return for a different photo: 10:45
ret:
11:37
